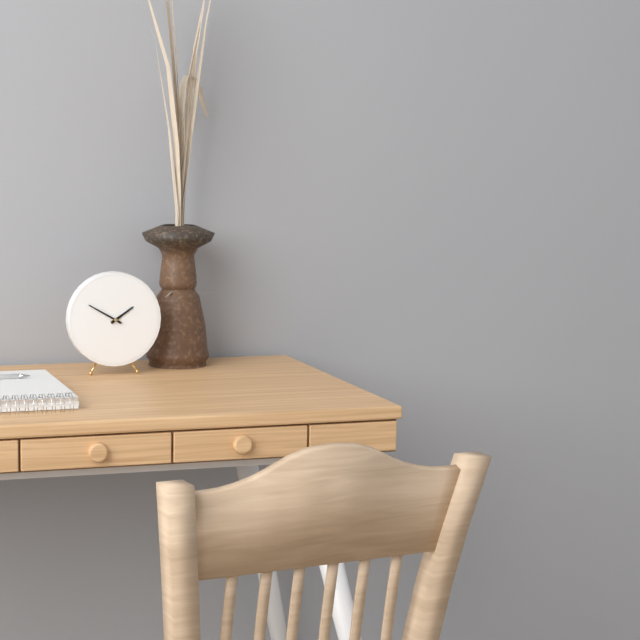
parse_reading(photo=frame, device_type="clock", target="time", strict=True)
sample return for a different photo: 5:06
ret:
1:50
